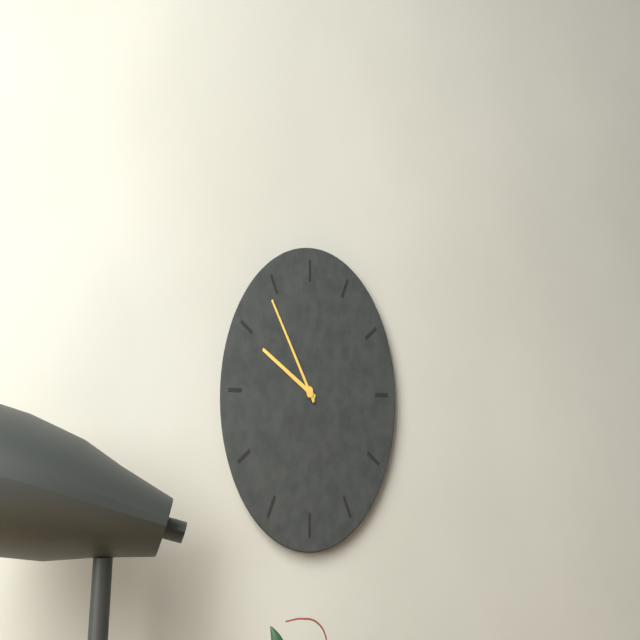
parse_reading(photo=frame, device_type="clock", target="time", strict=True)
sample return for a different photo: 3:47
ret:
9:54
